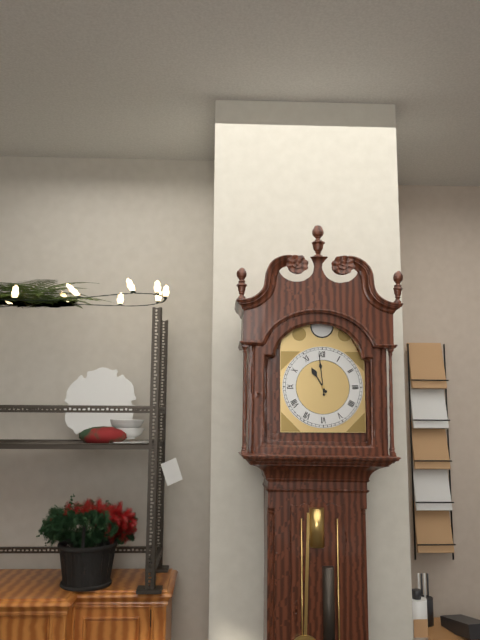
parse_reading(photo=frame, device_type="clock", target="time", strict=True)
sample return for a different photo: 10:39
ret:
10:59
